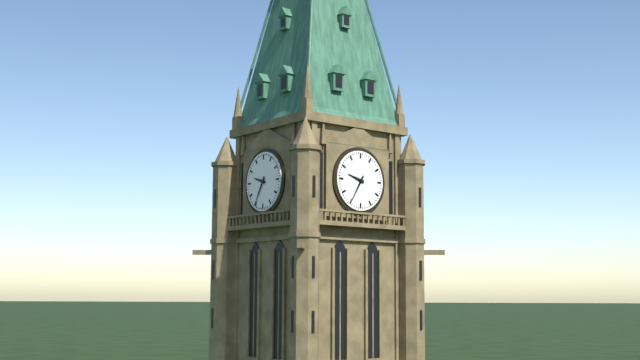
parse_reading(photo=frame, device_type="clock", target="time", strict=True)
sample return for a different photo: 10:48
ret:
9:35
